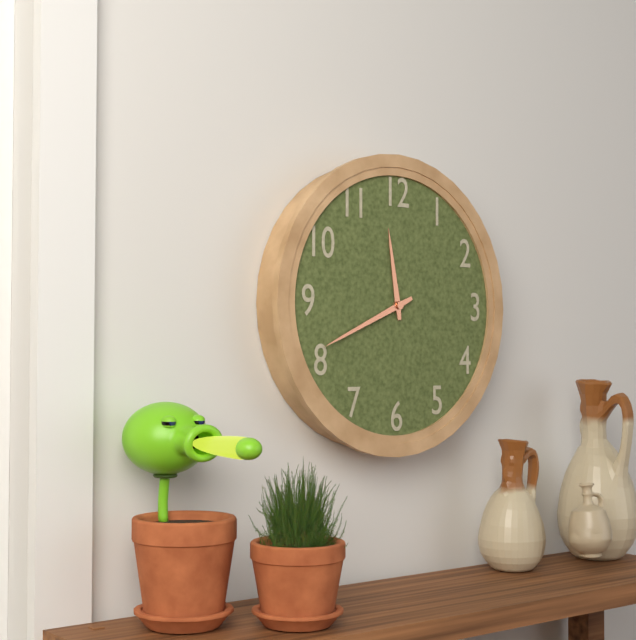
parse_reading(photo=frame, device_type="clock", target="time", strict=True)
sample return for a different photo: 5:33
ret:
11:41
